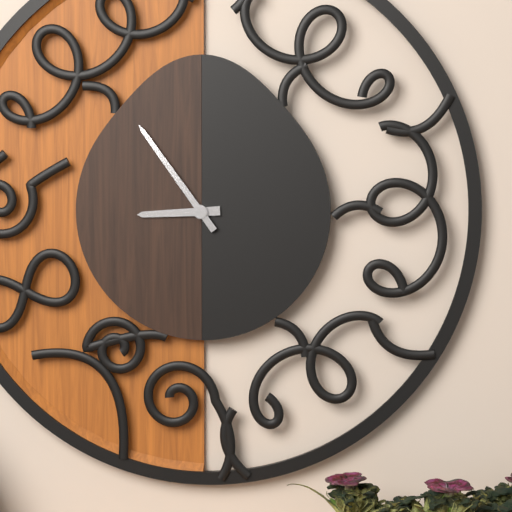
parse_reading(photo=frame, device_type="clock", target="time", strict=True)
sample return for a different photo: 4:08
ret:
8:54
